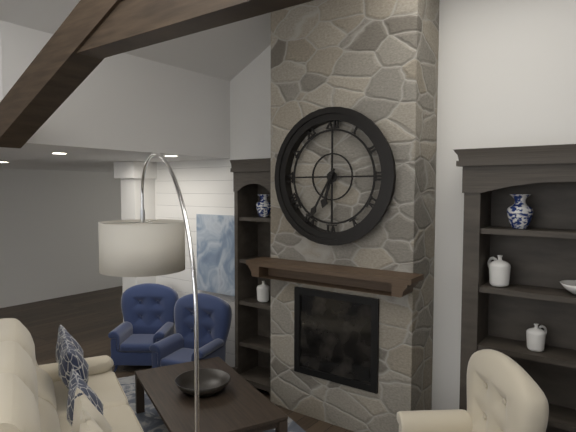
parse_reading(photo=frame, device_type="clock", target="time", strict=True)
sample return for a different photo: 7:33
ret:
6:35
